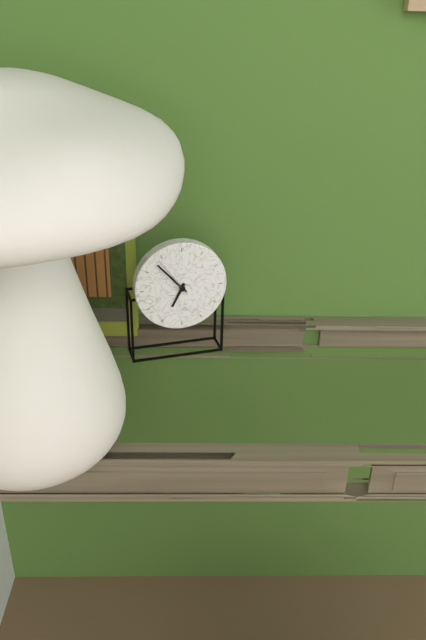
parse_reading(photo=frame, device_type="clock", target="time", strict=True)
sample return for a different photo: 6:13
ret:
6:53
